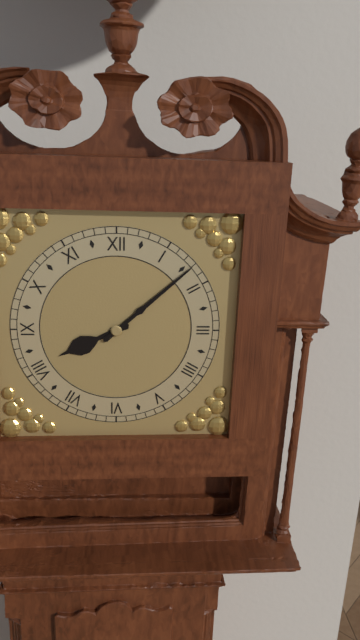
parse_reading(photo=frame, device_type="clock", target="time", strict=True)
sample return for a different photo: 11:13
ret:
8:08
